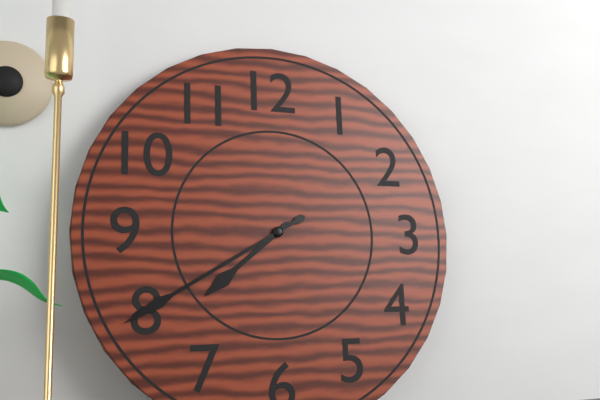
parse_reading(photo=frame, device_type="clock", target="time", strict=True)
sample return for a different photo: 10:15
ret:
7:40
